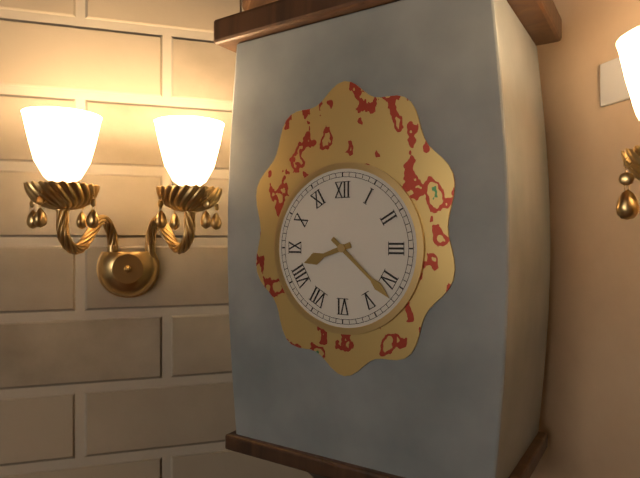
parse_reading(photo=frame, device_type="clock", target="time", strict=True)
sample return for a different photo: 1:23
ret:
8:22
